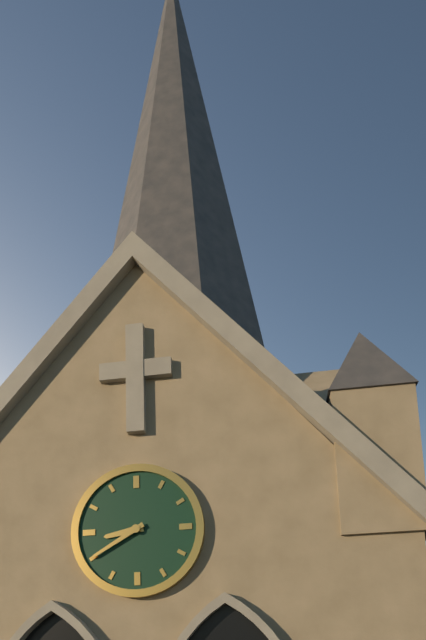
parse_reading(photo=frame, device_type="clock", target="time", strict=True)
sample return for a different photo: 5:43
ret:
8:40
